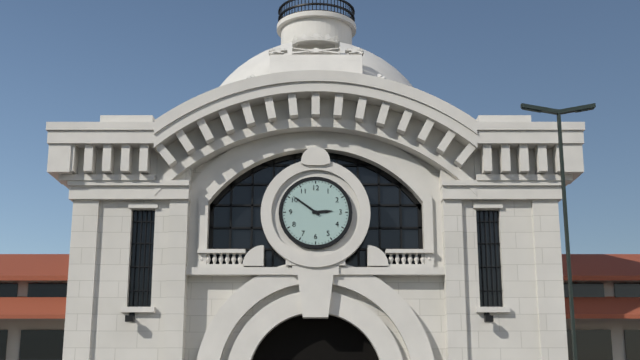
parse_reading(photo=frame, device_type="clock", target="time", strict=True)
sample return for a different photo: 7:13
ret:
2:51
